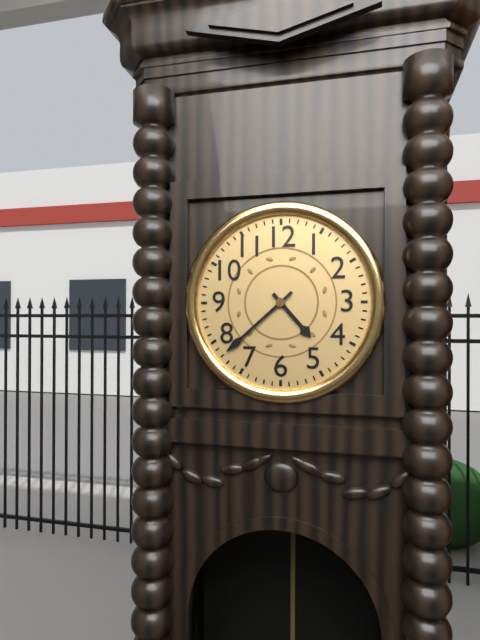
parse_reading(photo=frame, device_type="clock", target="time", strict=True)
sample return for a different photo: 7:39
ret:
4:38
